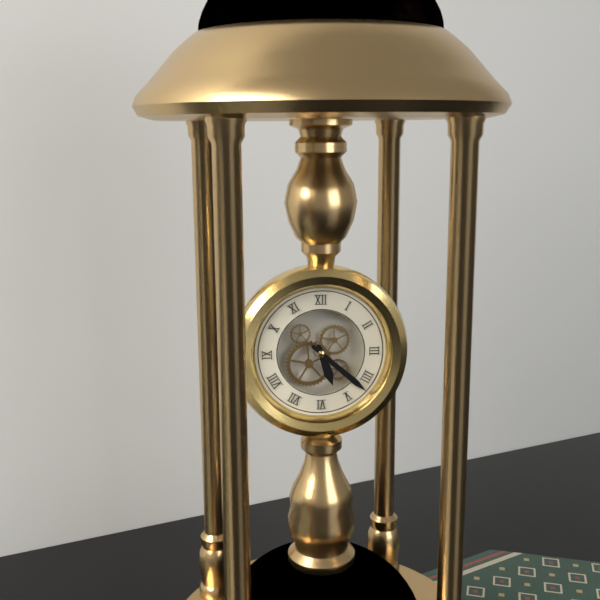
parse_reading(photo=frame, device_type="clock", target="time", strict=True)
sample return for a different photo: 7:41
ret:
5:22
